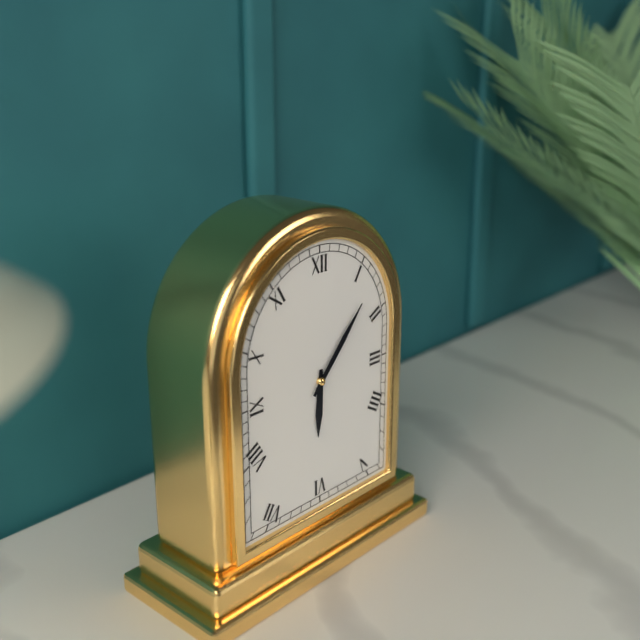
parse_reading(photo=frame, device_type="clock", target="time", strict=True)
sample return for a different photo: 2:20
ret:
6:07
